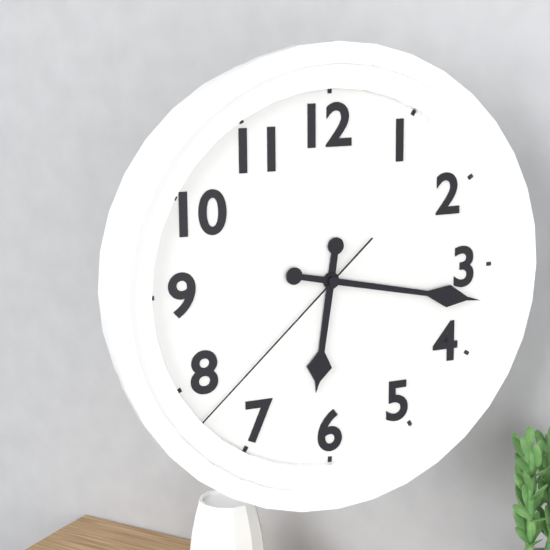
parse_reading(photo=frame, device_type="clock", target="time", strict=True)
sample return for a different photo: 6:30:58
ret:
6:17:38
